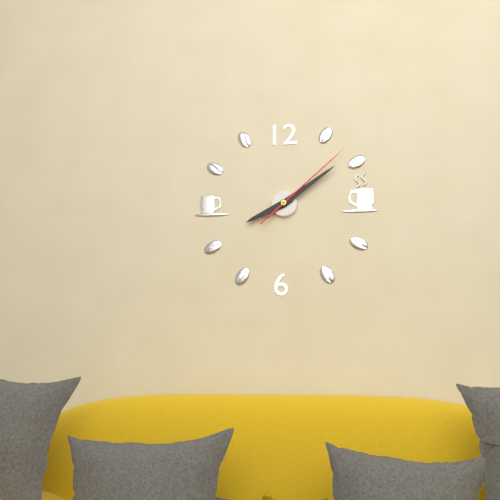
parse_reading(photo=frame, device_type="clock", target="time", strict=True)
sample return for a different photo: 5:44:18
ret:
8:09:08
